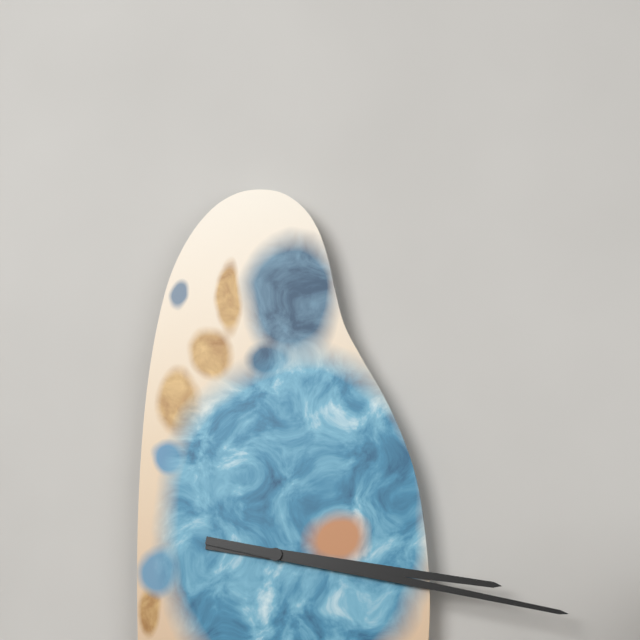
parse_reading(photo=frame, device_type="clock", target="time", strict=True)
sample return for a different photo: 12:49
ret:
3:17
